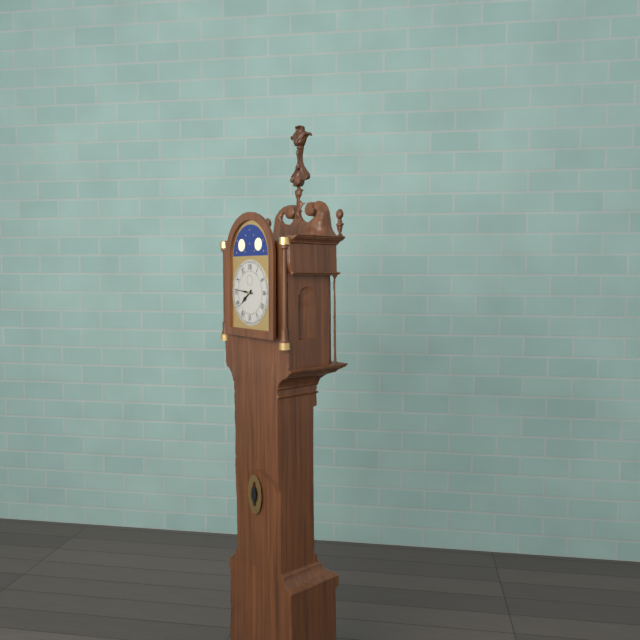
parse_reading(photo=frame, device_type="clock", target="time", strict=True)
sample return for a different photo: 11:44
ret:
7:46
